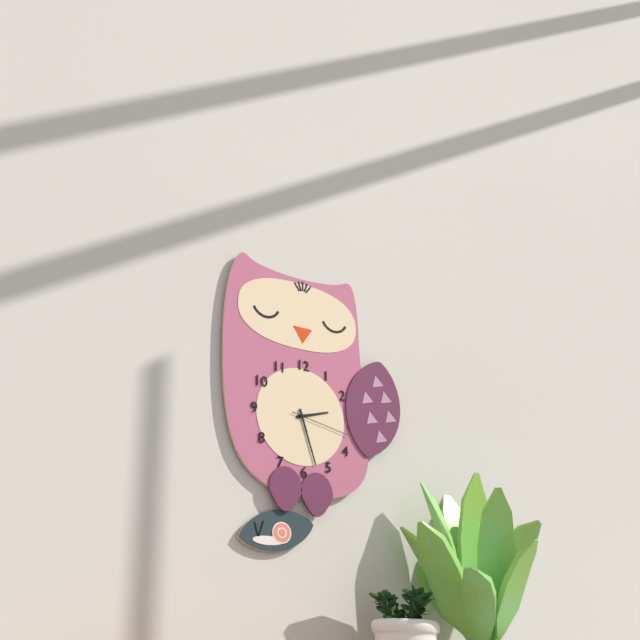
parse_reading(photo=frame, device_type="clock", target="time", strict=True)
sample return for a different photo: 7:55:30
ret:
2:27:17
